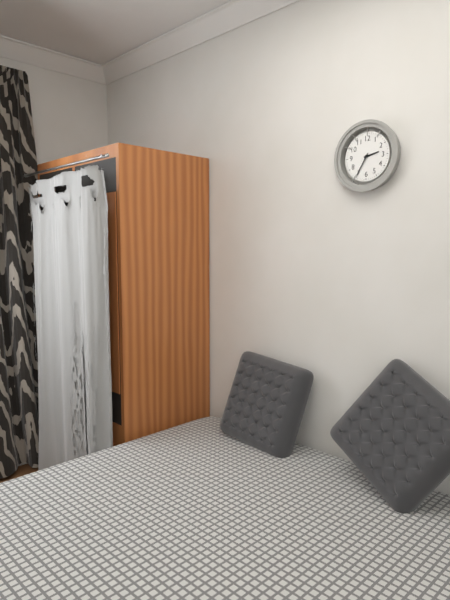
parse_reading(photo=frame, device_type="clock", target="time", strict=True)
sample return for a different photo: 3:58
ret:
2:35
